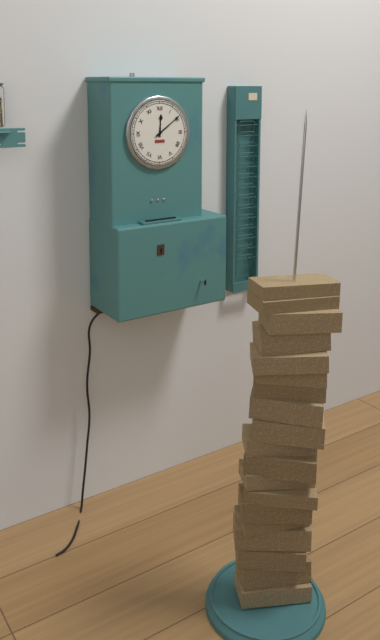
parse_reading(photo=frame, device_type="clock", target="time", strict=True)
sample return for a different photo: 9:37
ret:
12:09
